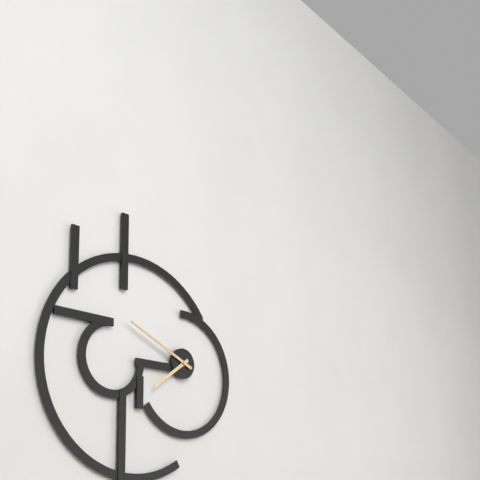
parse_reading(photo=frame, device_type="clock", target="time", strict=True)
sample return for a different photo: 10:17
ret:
7:49
